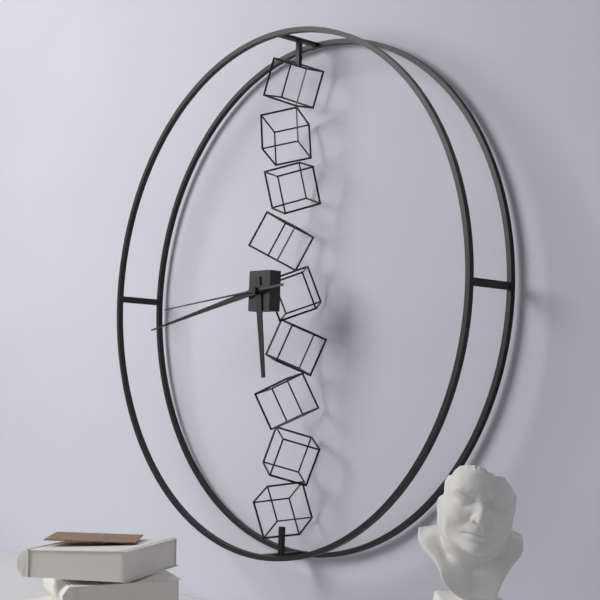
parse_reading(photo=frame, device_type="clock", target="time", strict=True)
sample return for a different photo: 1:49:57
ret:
5:43:44
